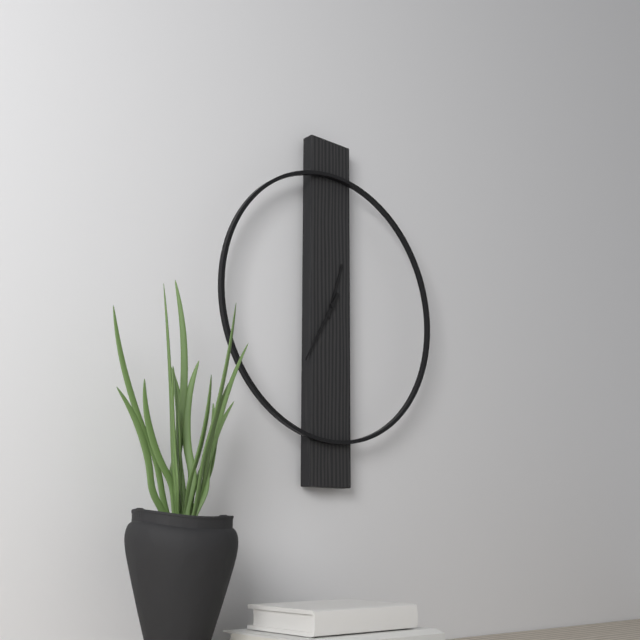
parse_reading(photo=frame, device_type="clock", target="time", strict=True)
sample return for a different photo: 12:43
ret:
12:35
